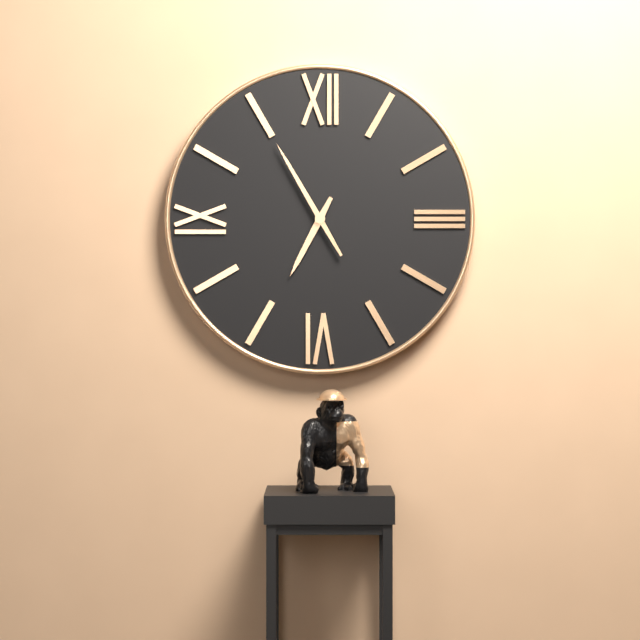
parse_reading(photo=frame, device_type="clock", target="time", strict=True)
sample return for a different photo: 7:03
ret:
6:55
